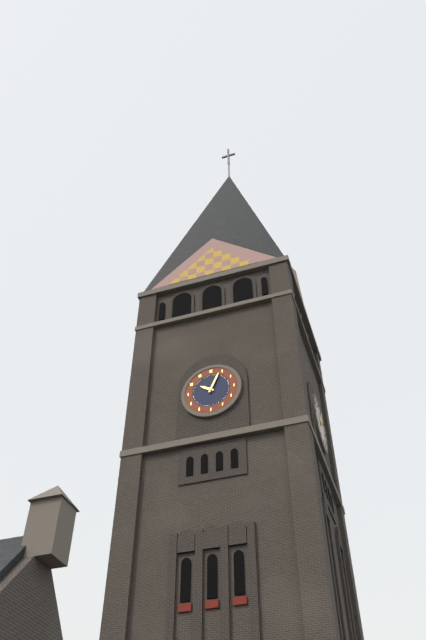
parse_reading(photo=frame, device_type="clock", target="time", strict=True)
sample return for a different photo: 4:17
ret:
10:04
